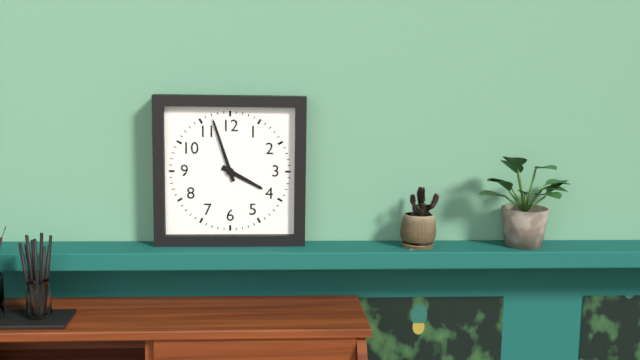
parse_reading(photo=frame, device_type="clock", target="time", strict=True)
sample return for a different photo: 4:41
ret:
3:57
